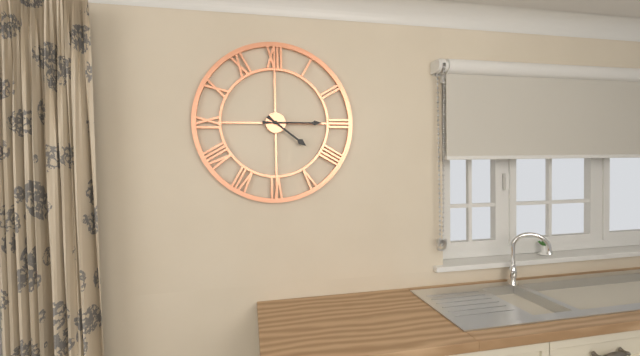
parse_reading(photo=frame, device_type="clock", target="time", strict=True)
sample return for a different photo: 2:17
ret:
4:15
